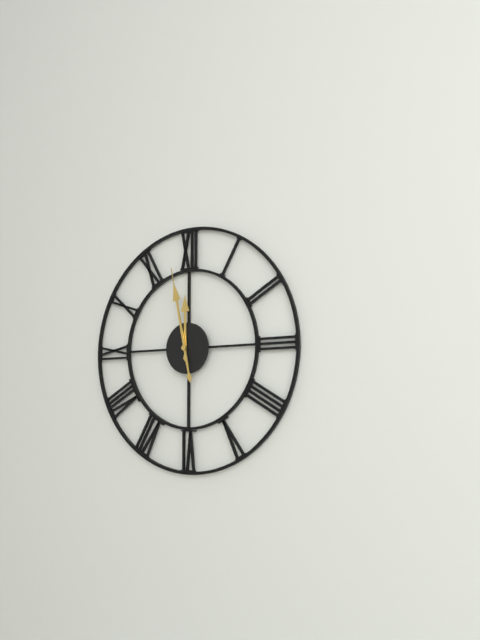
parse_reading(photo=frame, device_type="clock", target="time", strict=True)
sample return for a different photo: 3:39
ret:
11:58
